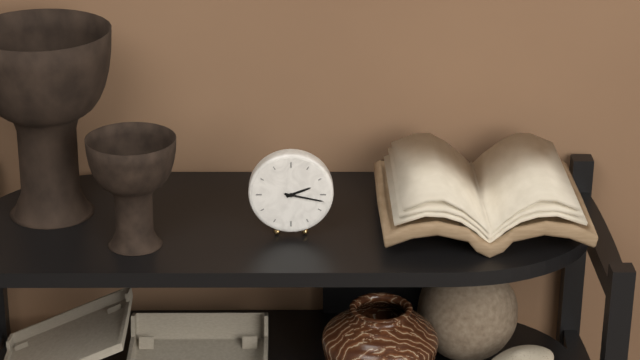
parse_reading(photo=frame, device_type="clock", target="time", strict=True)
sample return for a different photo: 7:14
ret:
2:17
